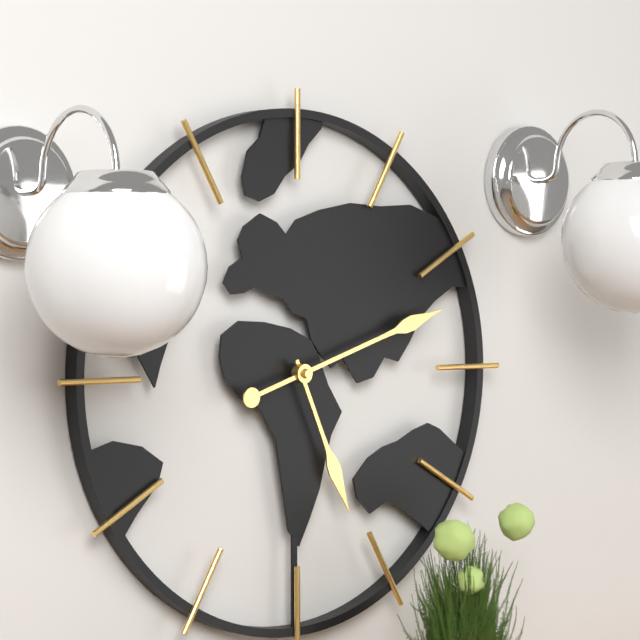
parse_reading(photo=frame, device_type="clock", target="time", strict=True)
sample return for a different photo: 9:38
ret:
5:12
